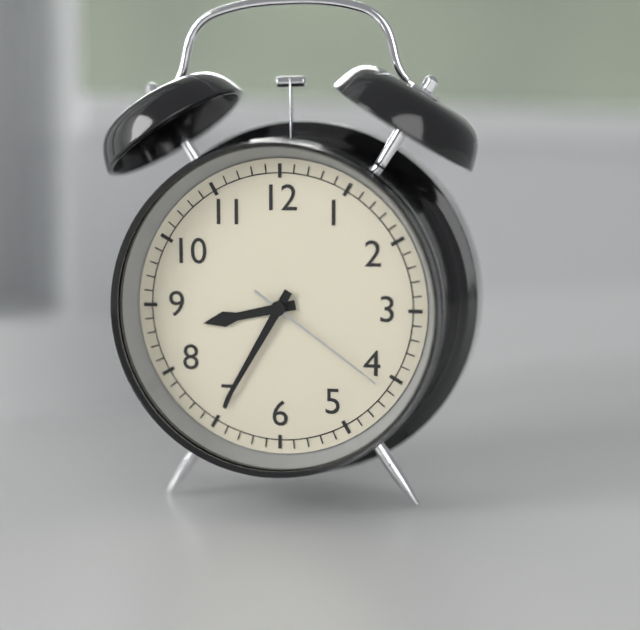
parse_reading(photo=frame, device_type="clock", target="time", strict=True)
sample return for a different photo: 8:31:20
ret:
8:35:21
